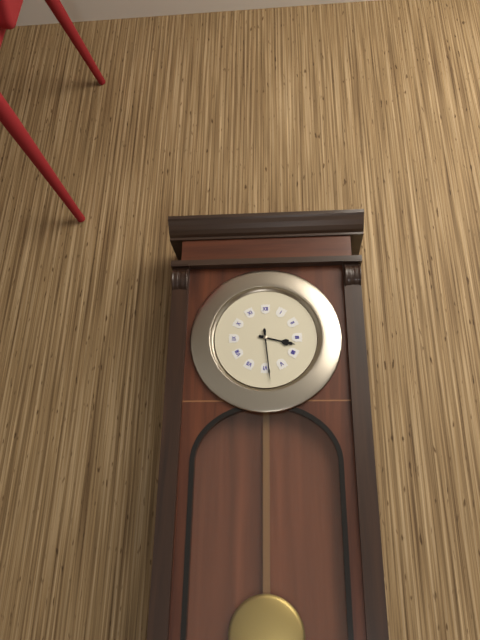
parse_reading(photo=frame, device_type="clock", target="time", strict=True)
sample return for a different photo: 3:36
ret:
3:29
